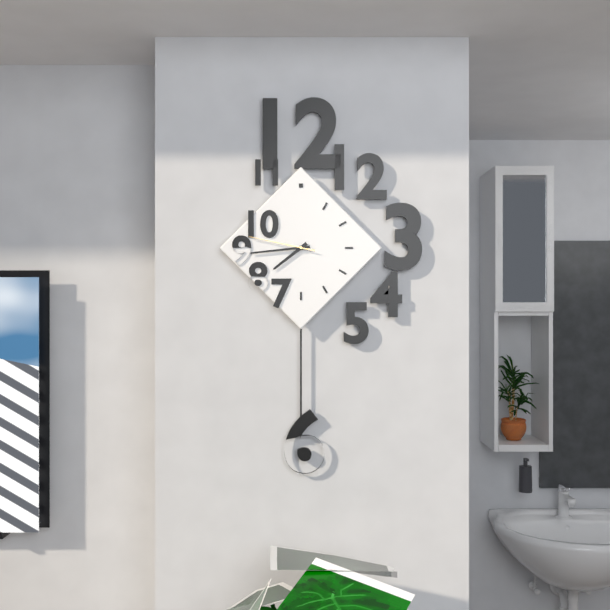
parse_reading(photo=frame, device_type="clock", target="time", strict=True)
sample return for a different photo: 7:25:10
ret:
7:44:47
